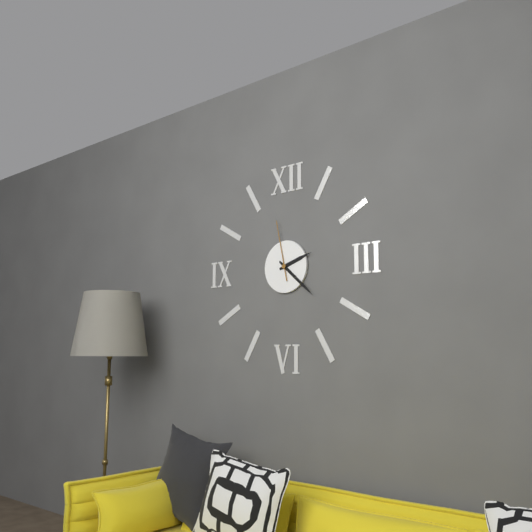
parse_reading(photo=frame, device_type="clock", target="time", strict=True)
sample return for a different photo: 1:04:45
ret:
2:22:58
